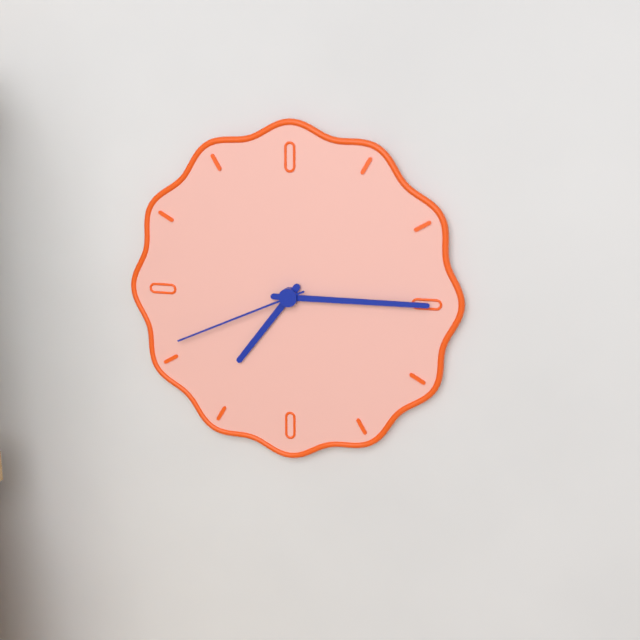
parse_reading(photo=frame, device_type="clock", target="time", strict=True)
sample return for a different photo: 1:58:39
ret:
7:15:41
